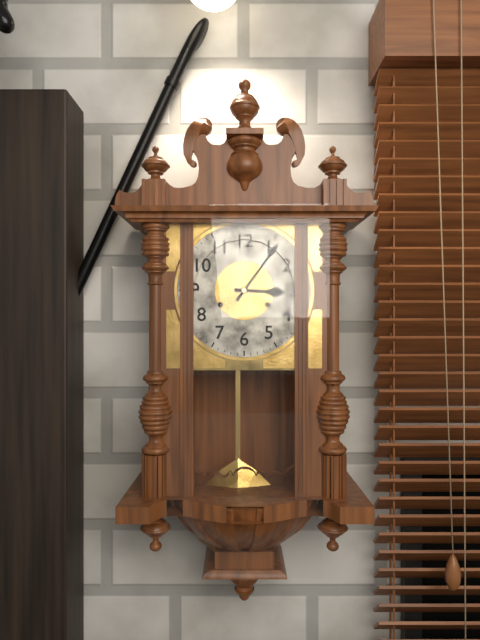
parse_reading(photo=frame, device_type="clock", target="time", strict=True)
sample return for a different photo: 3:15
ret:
3:06
